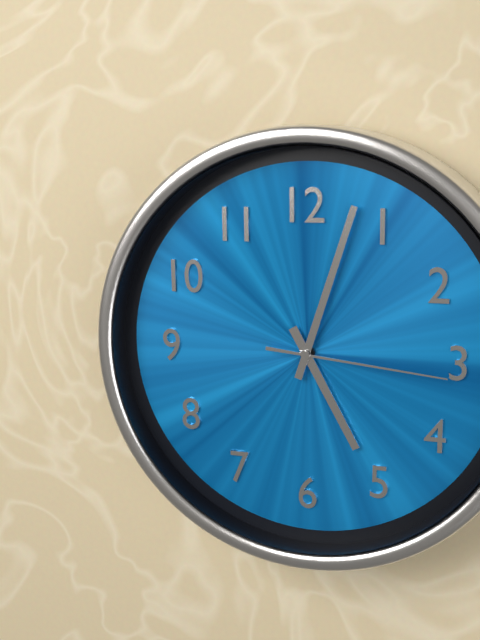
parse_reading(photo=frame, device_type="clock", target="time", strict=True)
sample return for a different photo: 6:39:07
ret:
5:03:16
